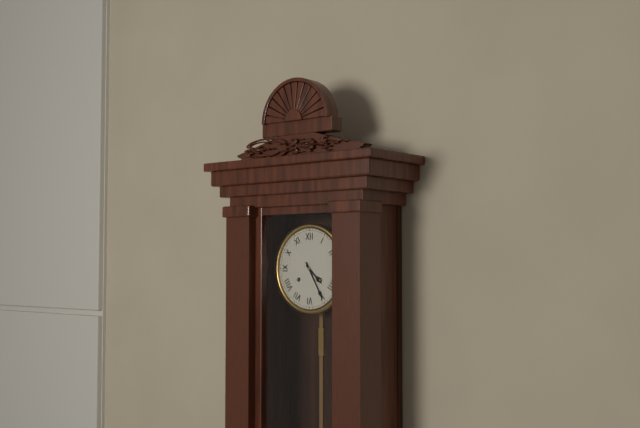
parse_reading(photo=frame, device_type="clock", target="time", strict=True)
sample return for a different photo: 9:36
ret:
4:25
